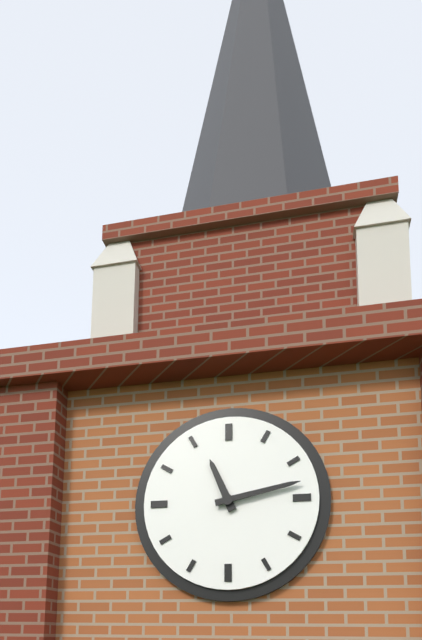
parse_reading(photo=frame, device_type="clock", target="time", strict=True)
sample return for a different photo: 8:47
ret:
11:13
